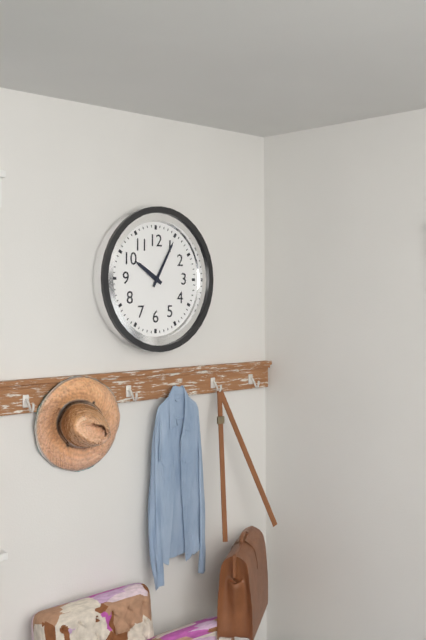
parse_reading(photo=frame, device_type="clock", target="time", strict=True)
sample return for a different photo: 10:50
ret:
10:05
